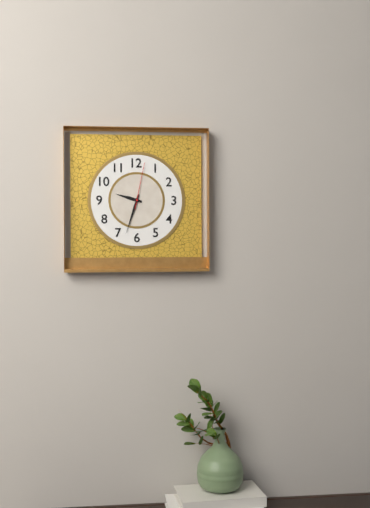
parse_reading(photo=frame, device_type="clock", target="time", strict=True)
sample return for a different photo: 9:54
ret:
9:33
